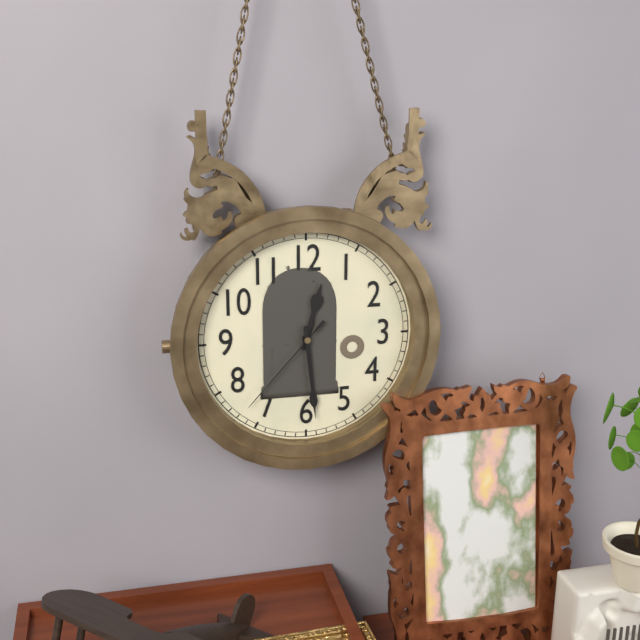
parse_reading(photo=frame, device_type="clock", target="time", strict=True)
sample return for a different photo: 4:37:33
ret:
12:29:37
